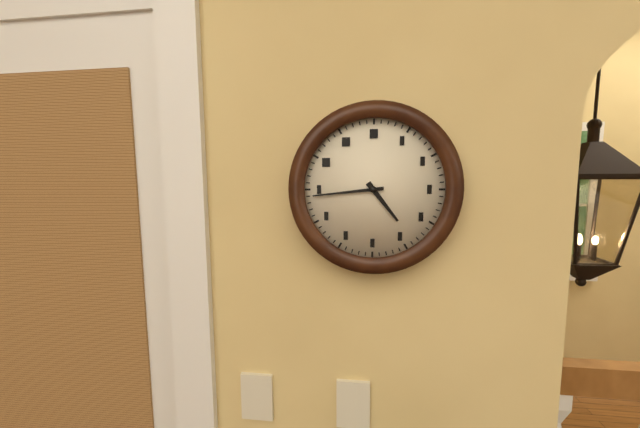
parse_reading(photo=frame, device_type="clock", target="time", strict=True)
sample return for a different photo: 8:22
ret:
4:44
